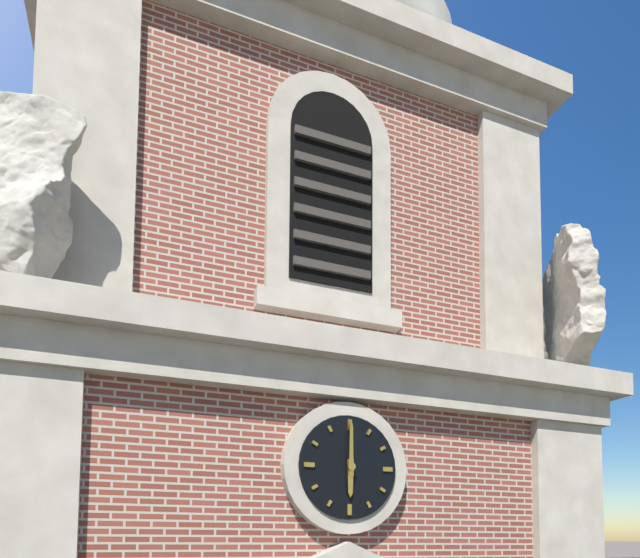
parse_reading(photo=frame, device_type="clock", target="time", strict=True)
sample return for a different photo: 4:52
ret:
6:00
